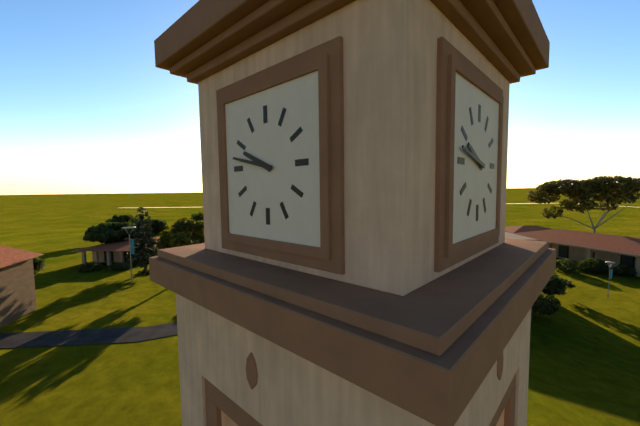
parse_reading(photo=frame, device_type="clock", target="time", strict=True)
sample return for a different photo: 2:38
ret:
9:47
